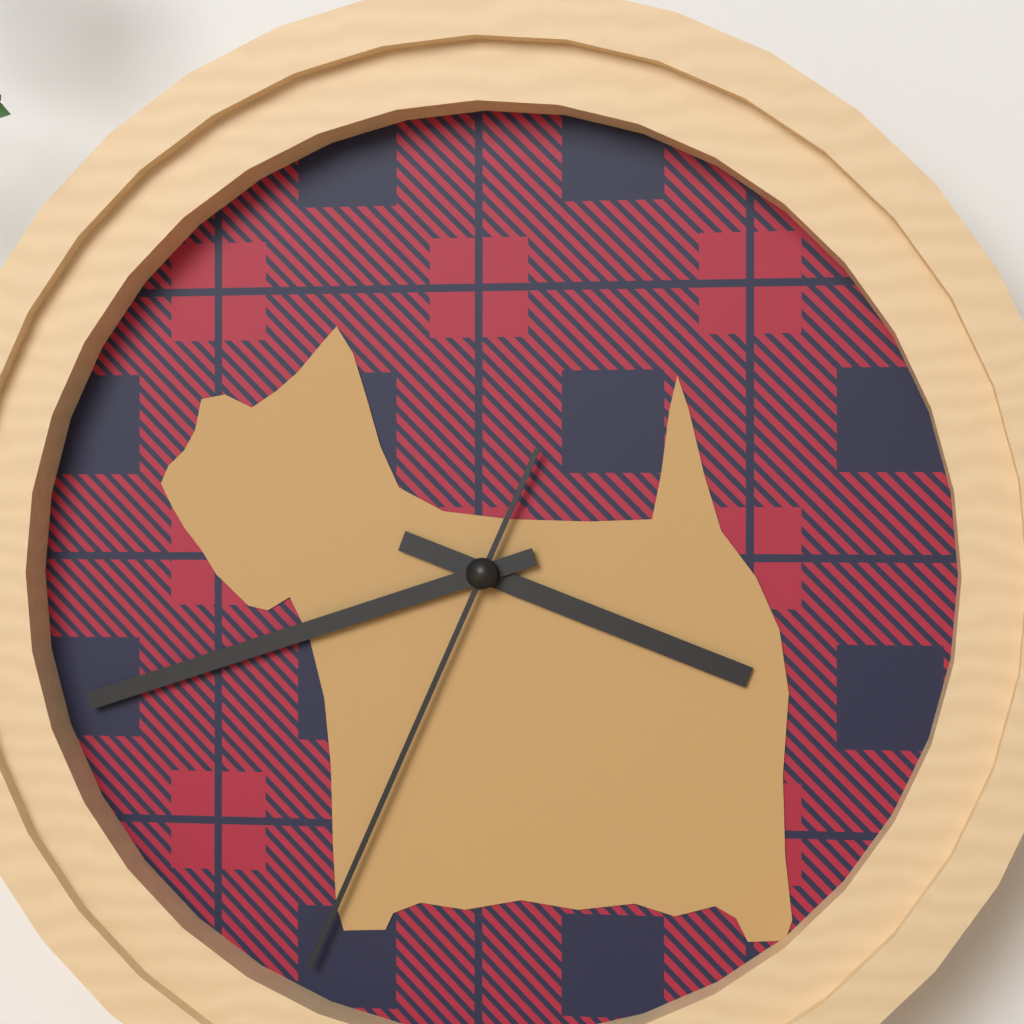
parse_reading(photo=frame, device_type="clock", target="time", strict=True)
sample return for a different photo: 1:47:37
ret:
3:42:34
